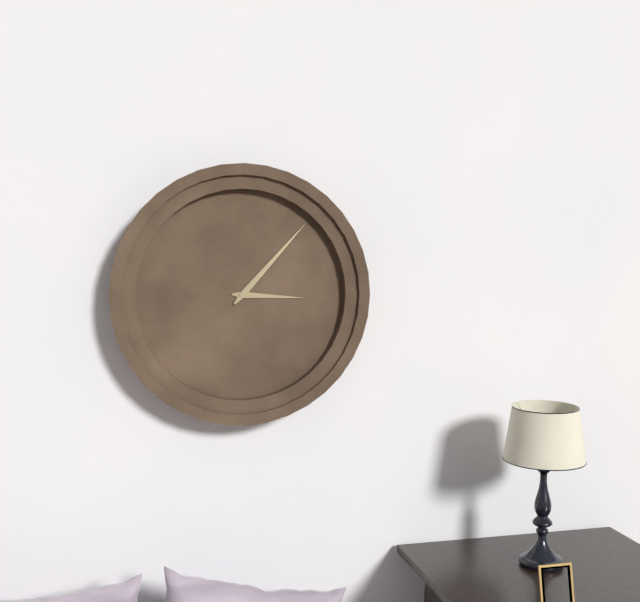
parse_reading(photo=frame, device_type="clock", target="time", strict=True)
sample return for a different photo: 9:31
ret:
3:07
